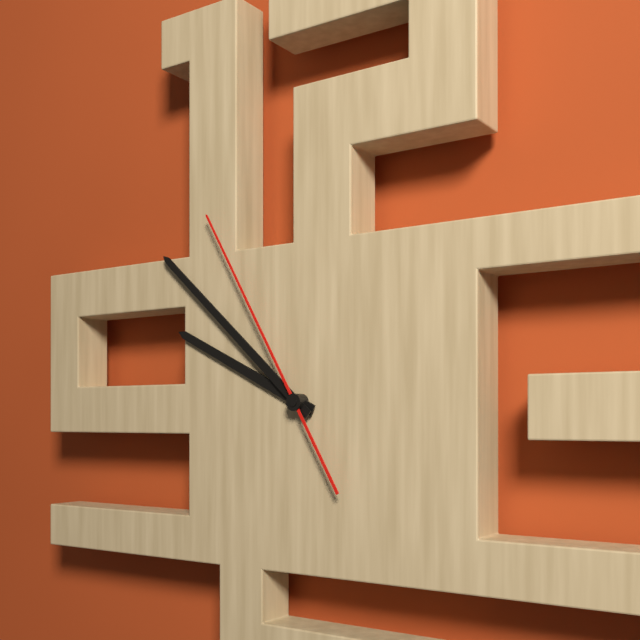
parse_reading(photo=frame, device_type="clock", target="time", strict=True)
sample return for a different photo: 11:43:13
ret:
9:52:55
